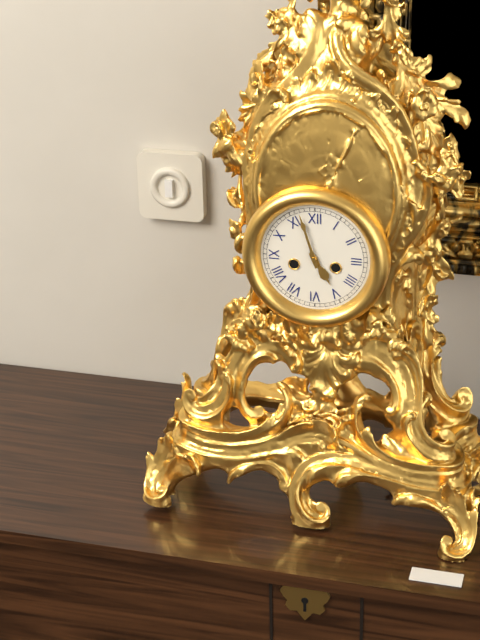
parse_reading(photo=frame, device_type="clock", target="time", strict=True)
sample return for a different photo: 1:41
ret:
4:57
